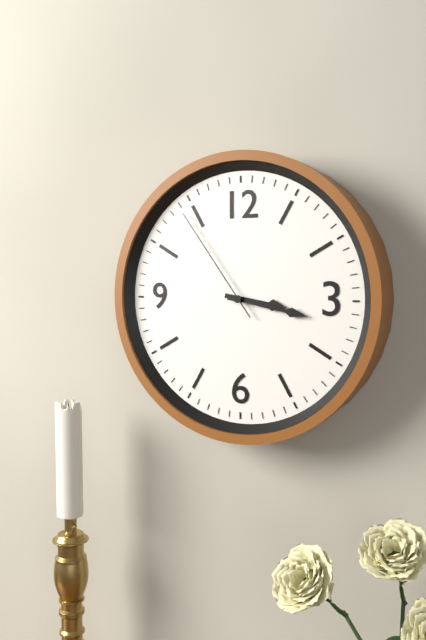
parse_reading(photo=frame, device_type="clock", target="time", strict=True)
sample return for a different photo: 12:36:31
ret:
3:17:54
